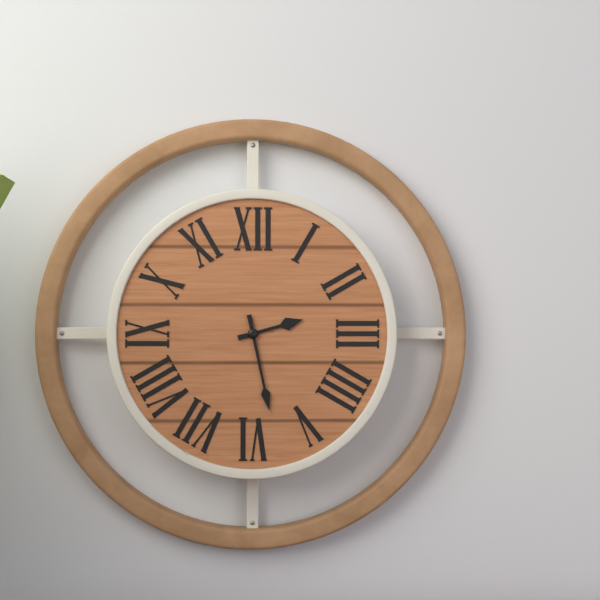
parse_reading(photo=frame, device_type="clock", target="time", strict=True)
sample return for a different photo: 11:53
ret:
2:28
